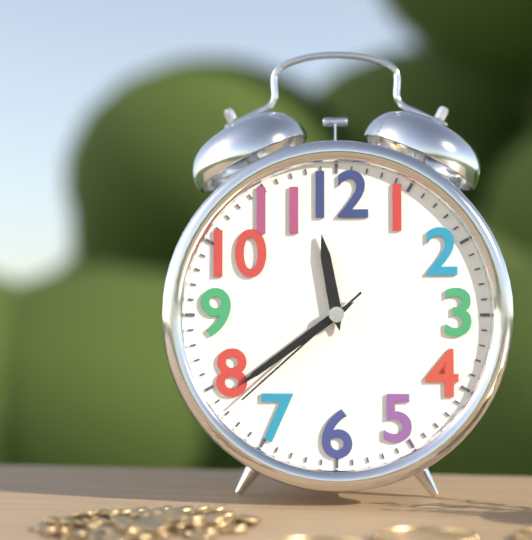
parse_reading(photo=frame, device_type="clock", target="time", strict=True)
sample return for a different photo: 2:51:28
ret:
11:39:38
